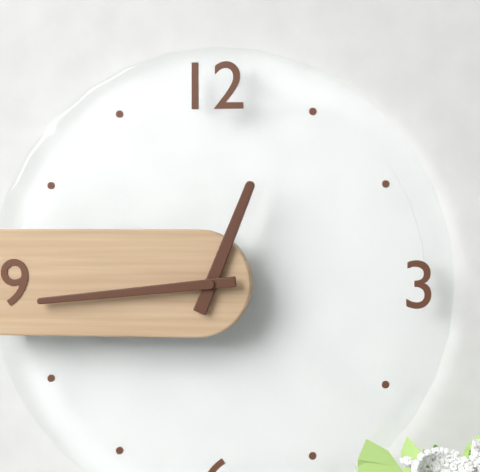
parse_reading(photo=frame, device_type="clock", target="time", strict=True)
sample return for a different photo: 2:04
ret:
12:44
